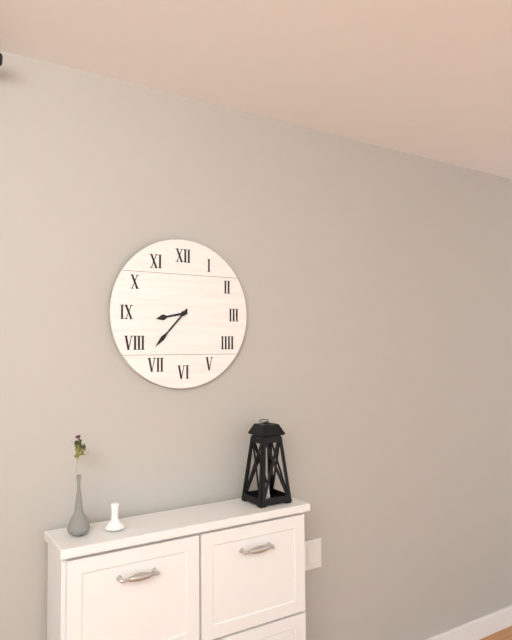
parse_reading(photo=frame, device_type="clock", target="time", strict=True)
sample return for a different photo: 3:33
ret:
8:37
